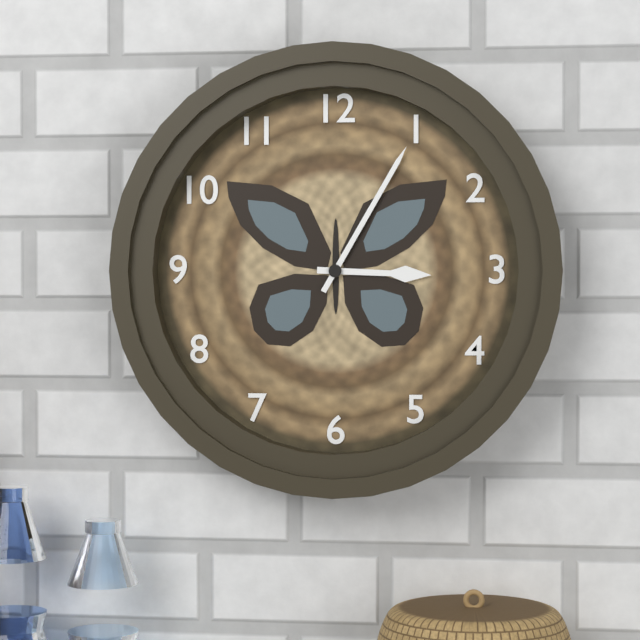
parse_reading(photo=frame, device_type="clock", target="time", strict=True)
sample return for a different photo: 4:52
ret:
3:05
